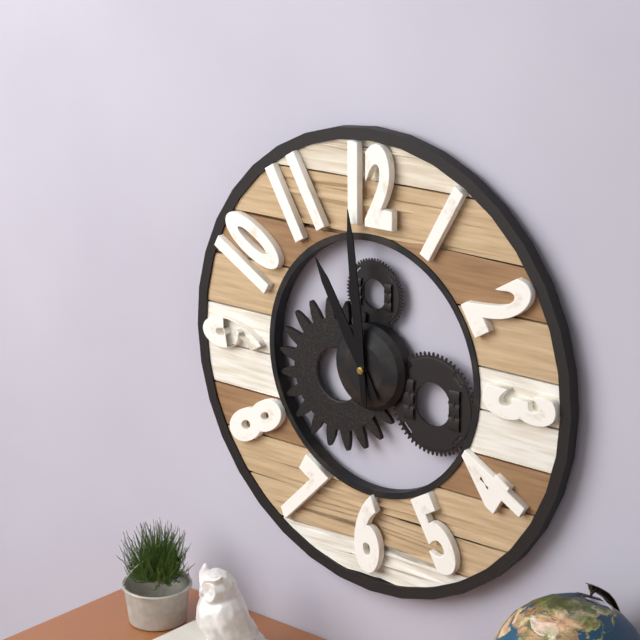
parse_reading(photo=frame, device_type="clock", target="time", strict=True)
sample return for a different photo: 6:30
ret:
10:59
